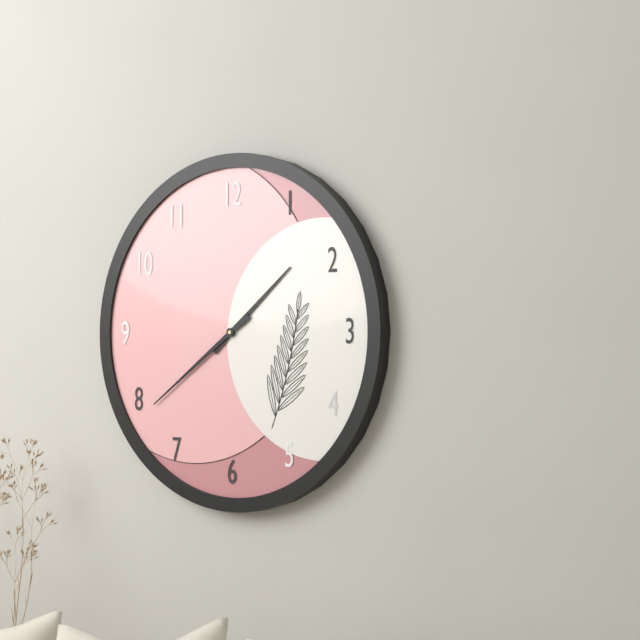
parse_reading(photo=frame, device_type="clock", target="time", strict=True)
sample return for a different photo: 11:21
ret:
1:39
